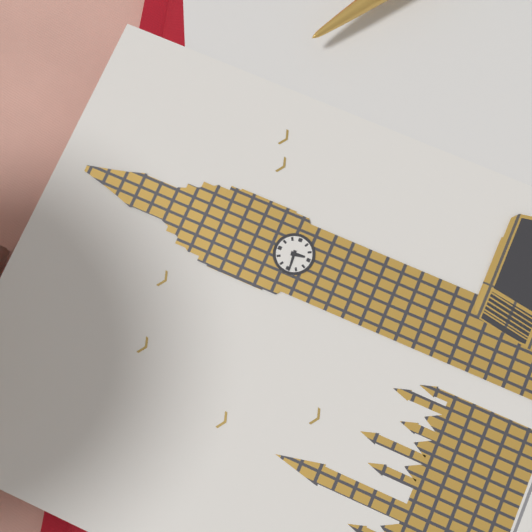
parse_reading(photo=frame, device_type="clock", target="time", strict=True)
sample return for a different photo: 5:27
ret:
5:44
